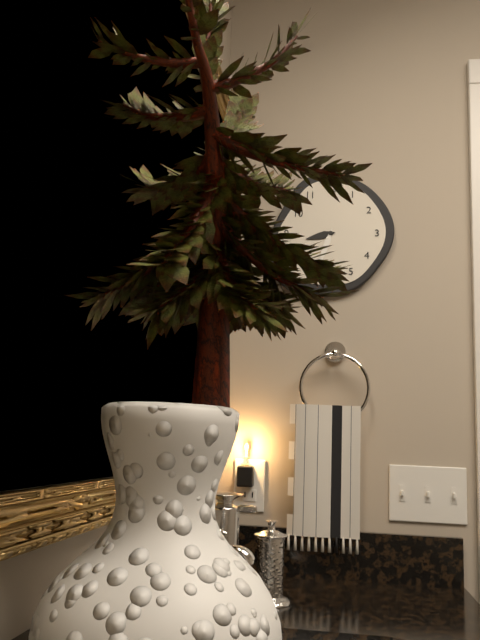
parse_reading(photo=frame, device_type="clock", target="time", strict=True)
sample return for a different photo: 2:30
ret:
8:33
